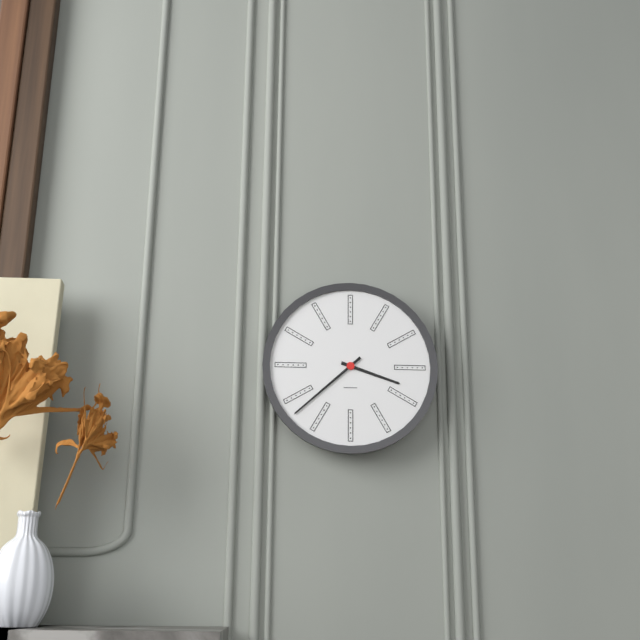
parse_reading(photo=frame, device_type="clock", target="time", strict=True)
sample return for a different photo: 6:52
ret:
3:38
